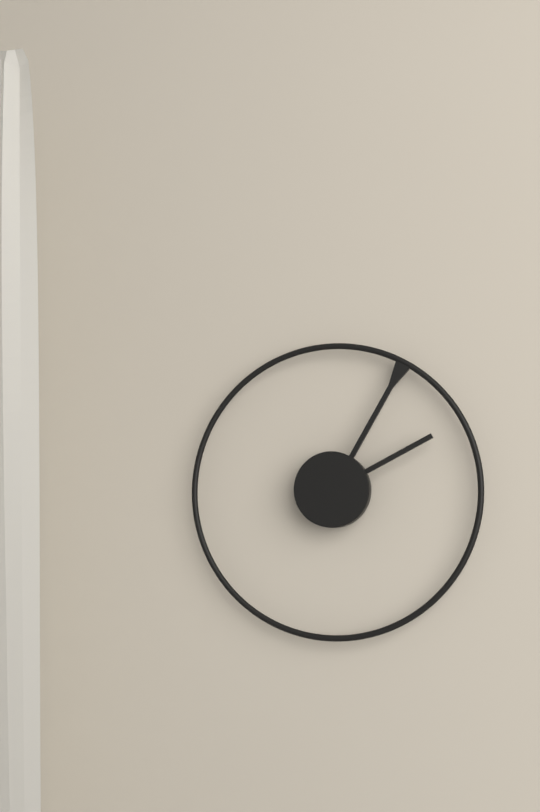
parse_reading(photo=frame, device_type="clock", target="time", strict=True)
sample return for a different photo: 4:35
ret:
2:05
